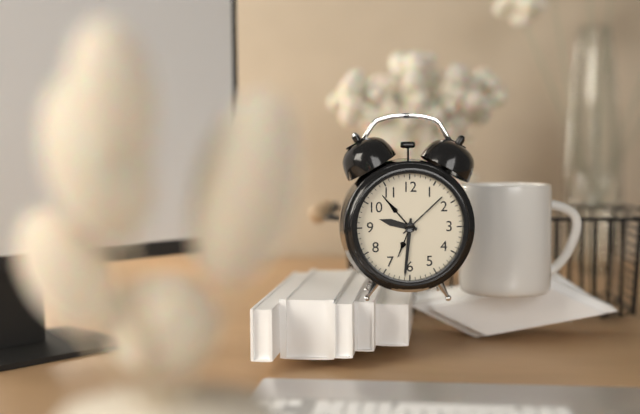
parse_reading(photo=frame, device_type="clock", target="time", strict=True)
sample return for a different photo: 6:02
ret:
9:31
